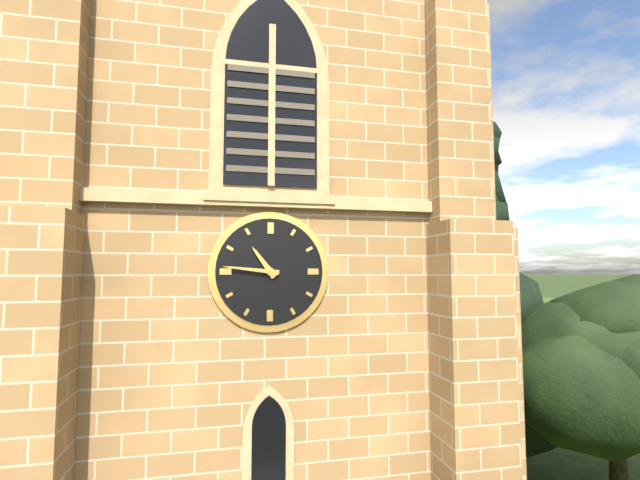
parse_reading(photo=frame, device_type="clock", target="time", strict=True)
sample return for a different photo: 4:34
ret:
10:46
